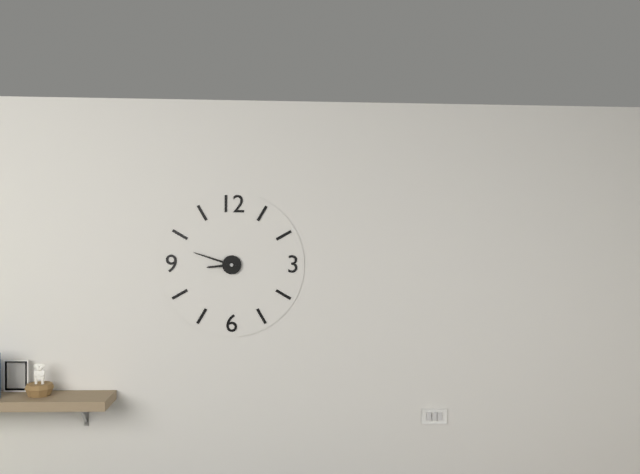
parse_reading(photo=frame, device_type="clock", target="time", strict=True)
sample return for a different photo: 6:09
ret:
8:48
